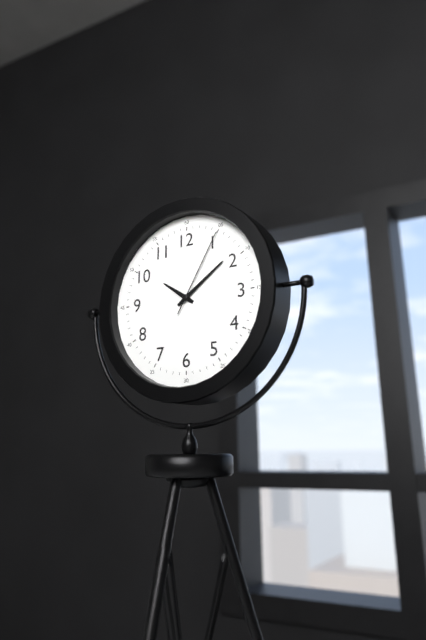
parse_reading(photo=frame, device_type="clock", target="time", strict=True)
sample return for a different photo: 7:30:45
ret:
10:09:05
